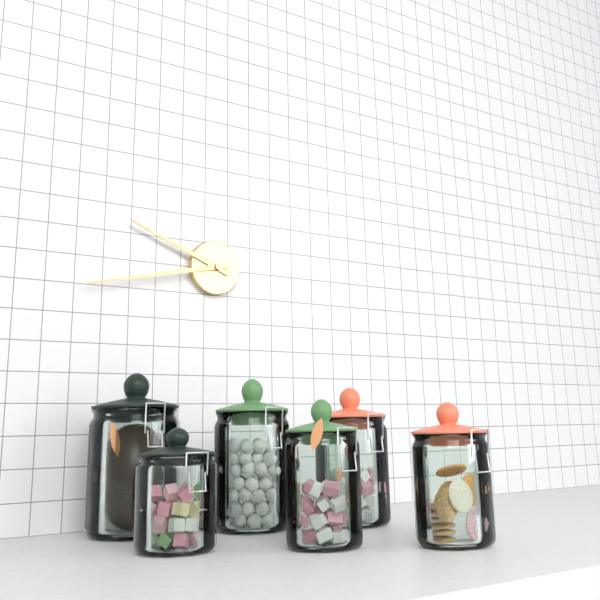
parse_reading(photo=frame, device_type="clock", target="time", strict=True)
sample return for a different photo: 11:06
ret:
9:43
